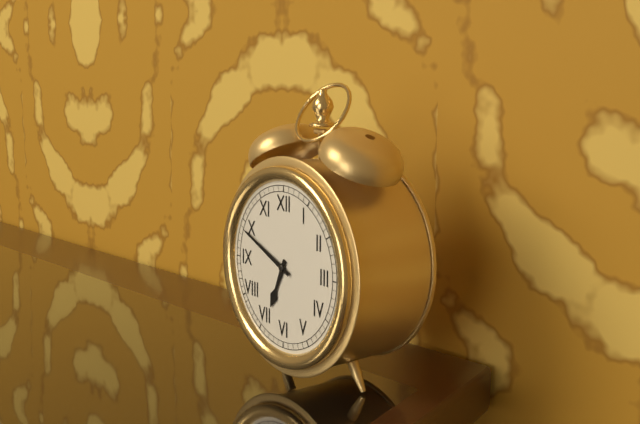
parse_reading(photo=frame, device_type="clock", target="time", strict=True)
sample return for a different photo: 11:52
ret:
6:49
